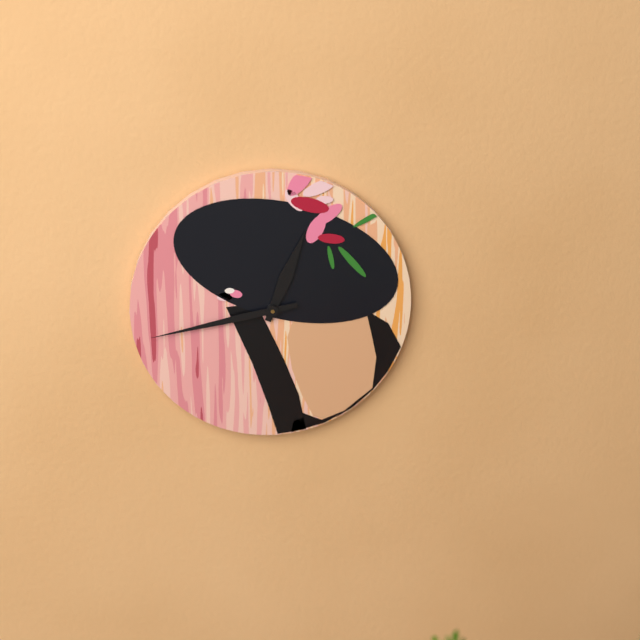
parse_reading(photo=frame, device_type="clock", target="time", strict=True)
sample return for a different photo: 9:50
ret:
12:43
